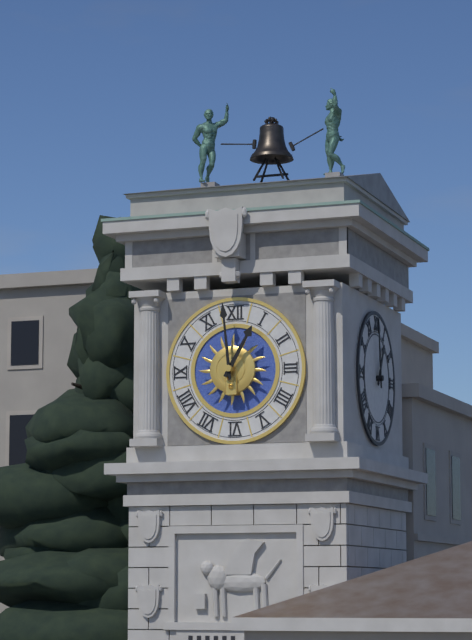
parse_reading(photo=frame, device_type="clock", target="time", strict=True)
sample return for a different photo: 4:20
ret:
12:59
